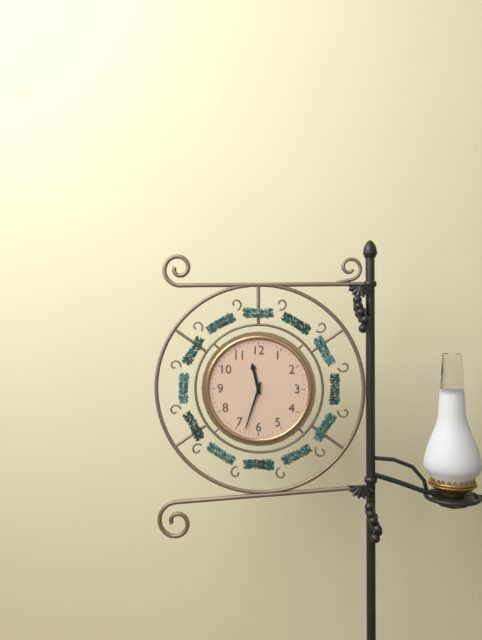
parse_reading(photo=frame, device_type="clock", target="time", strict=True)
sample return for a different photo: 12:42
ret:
11:33
